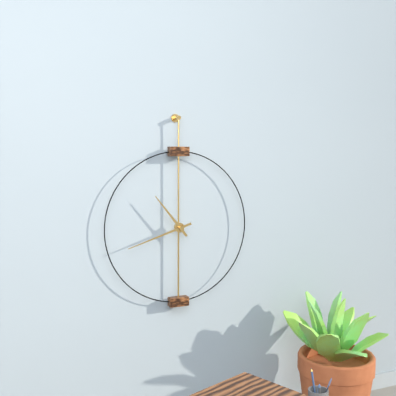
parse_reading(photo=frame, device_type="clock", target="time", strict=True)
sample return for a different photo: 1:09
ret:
10:42
